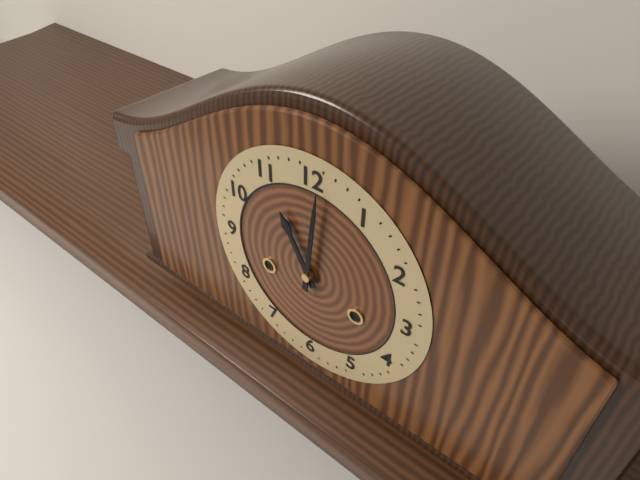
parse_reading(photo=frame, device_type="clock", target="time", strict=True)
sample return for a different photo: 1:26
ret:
11:01
